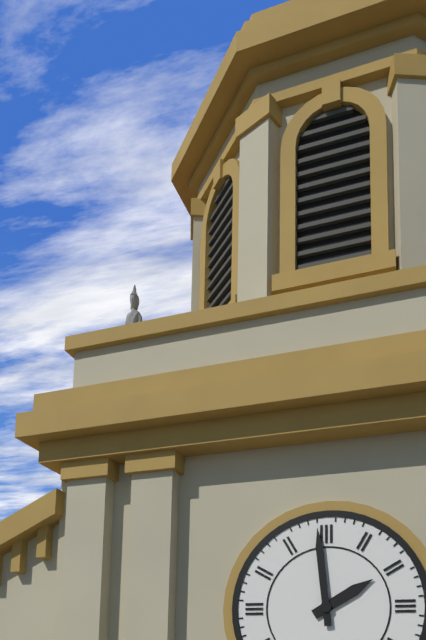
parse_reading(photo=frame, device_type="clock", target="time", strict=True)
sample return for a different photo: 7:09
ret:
1:59
